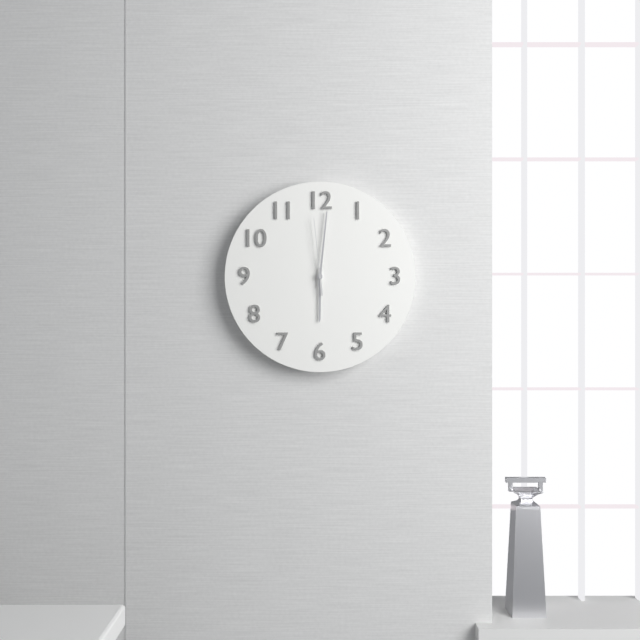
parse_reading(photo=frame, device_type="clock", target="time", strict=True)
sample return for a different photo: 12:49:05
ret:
6:01:59
